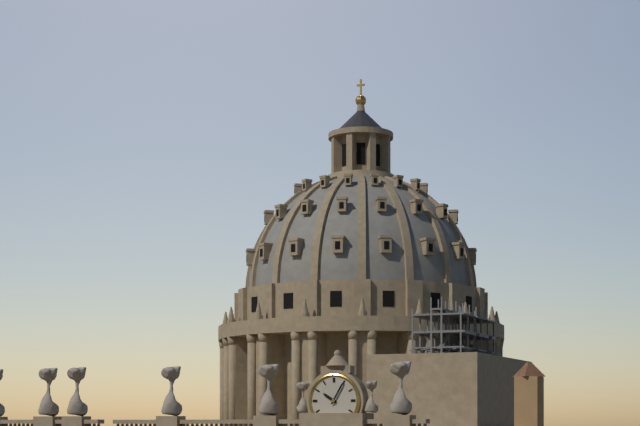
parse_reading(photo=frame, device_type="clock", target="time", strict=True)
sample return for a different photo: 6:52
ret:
10:05
